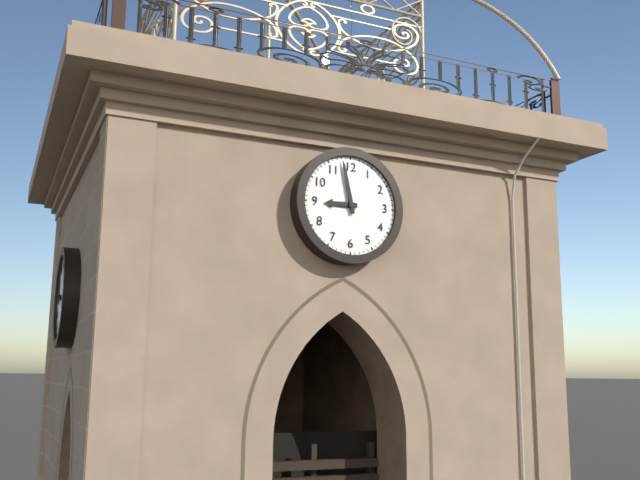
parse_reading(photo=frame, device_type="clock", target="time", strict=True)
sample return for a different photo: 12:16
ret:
8:58
